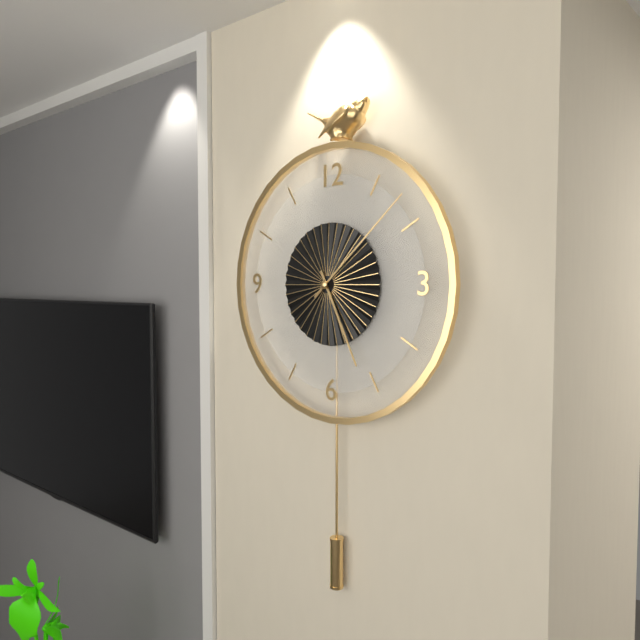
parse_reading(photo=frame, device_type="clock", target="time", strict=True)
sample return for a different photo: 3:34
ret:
5:08
